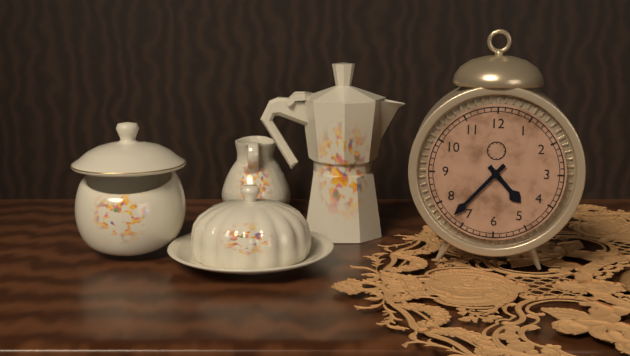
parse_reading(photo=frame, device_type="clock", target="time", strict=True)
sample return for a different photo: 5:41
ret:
4:37
